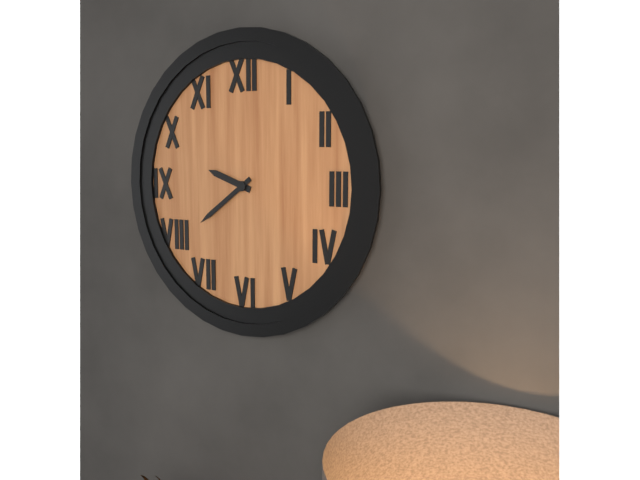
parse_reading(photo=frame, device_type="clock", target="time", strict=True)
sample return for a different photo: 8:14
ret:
9:39
